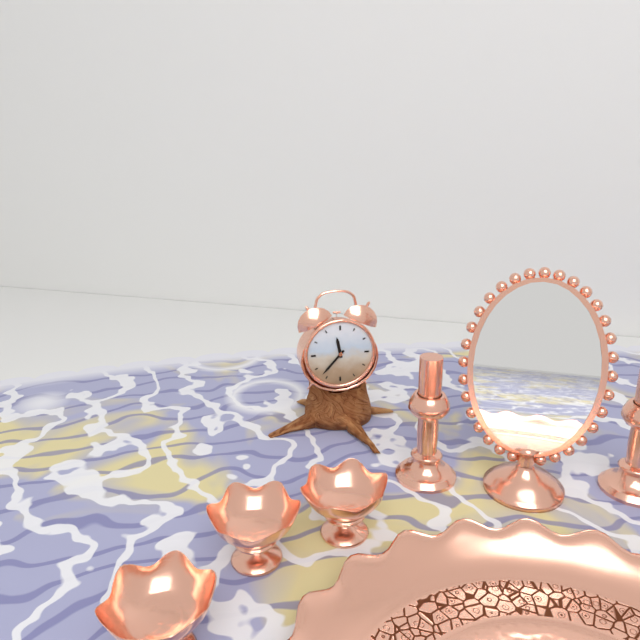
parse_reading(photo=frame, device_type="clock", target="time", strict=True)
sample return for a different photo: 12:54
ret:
11:37
